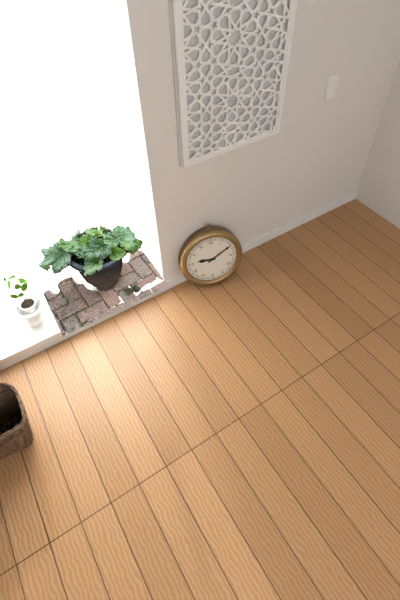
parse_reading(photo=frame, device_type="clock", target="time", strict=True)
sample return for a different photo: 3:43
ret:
9:10
